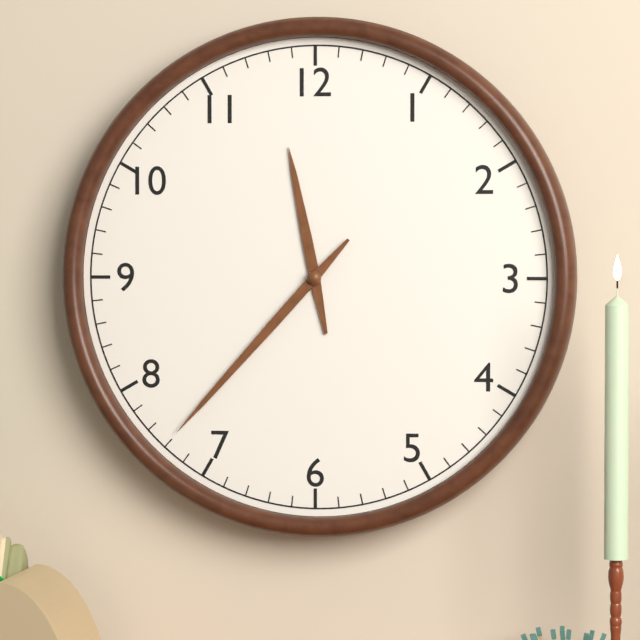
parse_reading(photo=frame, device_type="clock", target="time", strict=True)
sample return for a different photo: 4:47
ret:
11:37
